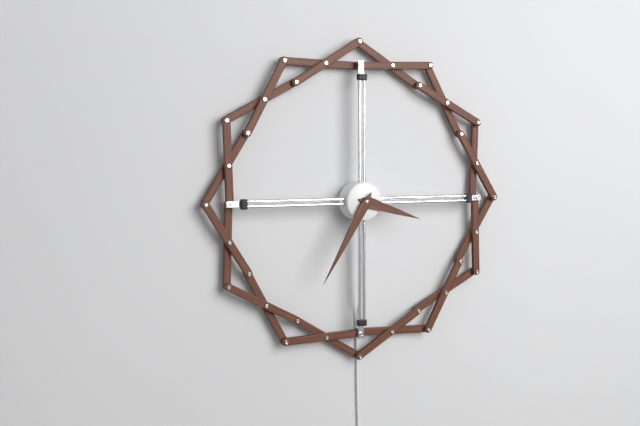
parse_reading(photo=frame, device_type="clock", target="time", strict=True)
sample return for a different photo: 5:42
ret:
3:35
